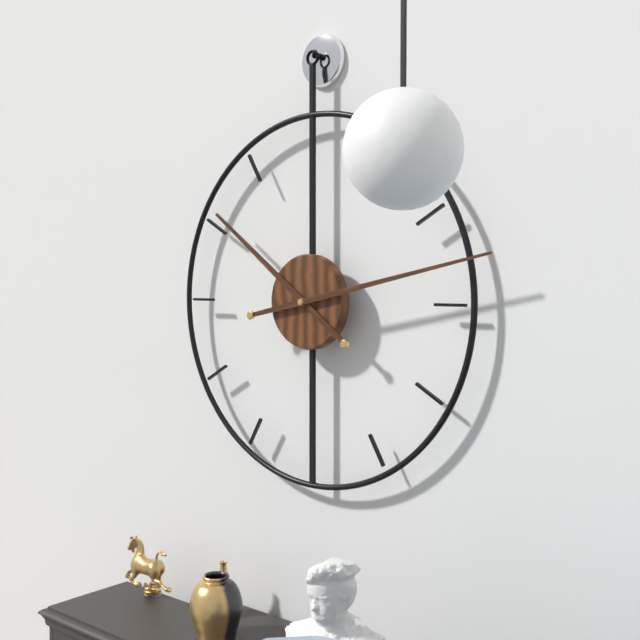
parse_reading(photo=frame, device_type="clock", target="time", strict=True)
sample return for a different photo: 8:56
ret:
10:13
